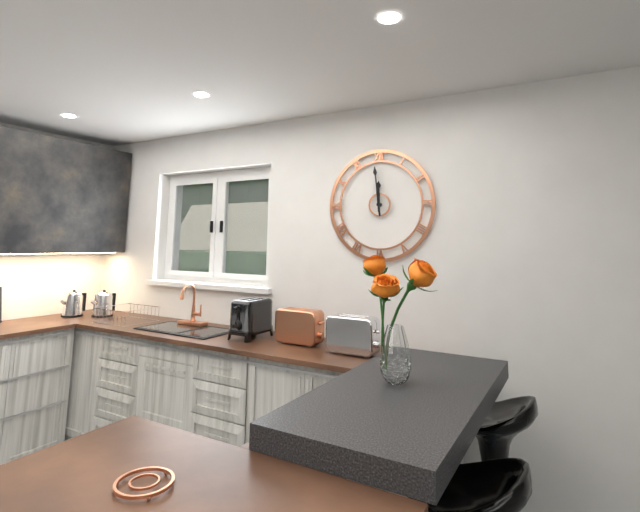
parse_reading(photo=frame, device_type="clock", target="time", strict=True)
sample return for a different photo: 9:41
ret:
11:59
